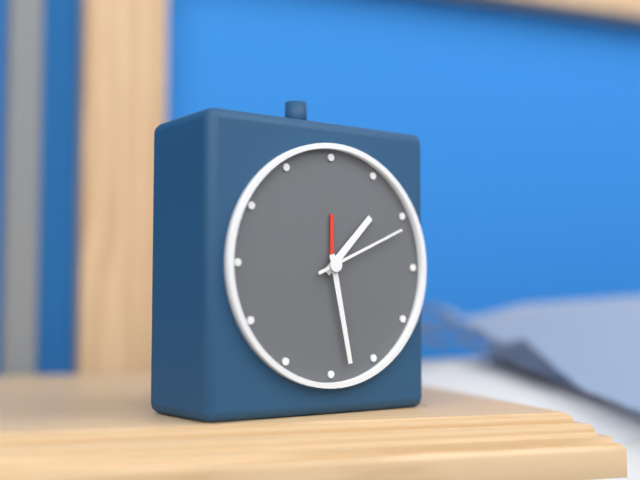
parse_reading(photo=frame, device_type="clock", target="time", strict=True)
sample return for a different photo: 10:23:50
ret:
1:28:11
